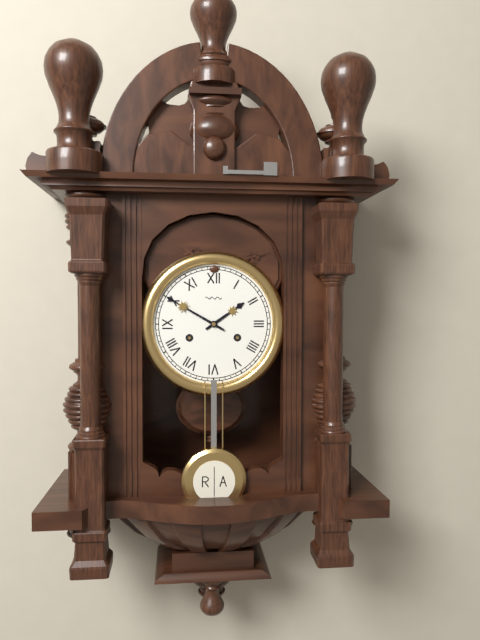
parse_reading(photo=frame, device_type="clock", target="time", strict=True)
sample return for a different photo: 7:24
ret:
1:50
